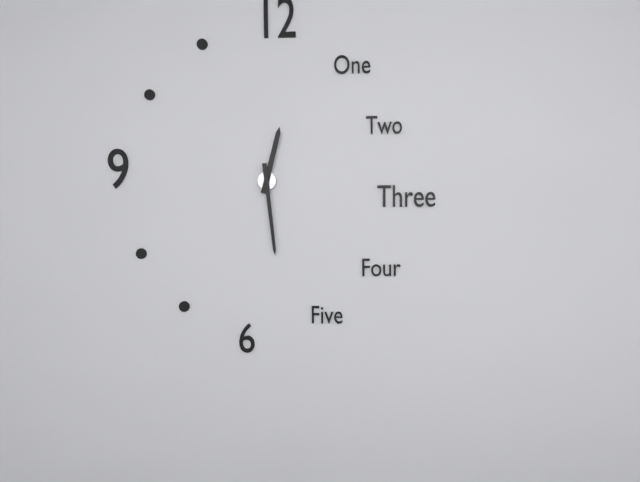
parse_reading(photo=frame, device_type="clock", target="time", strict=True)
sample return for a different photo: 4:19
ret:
12:29
